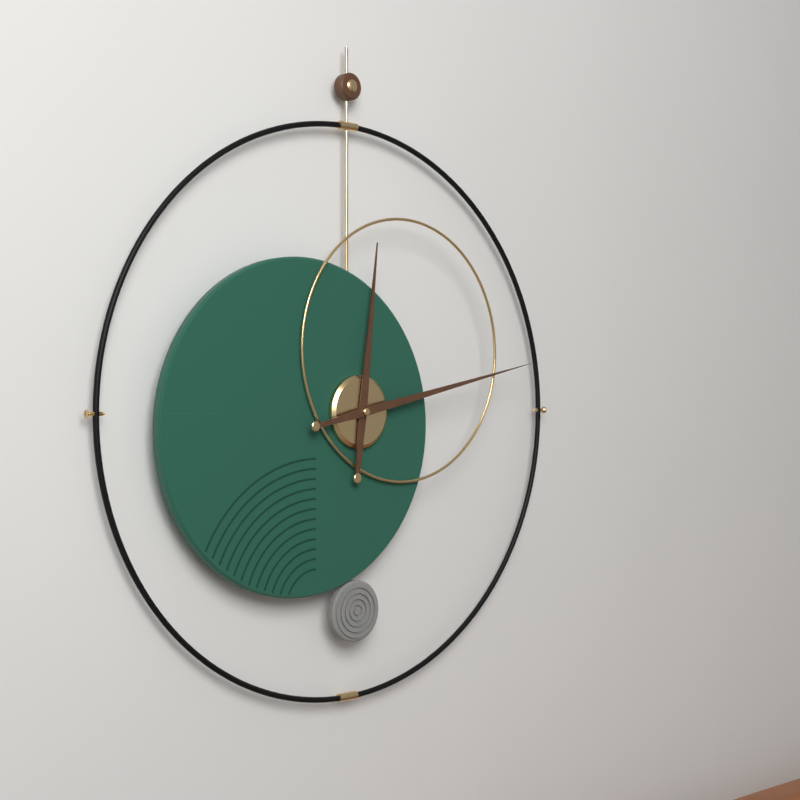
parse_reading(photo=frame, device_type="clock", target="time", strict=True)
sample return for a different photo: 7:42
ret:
12:13
